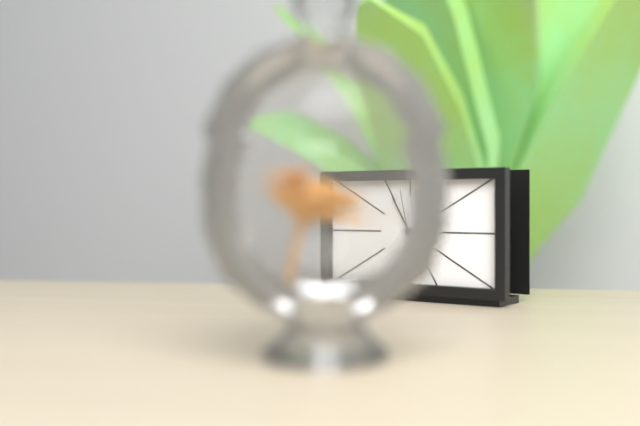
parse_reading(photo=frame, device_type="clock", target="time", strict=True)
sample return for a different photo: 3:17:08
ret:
1:55:58
